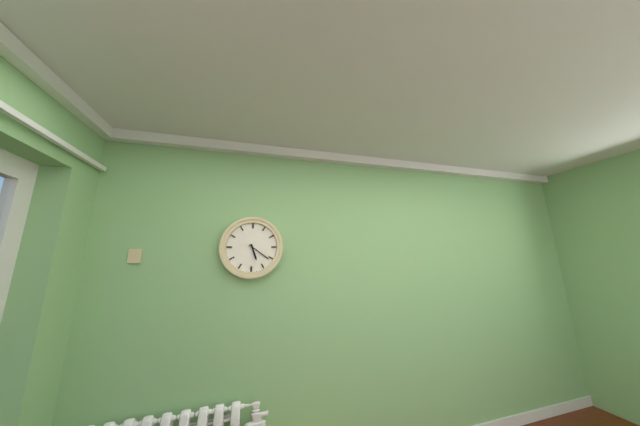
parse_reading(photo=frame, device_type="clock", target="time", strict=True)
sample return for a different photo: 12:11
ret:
5:21
